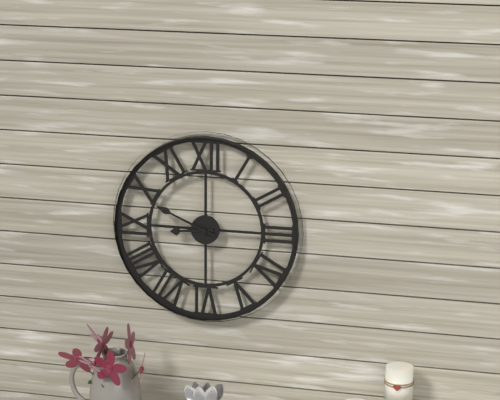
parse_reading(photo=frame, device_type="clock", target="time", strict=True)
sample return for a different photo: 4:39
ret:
8:49
